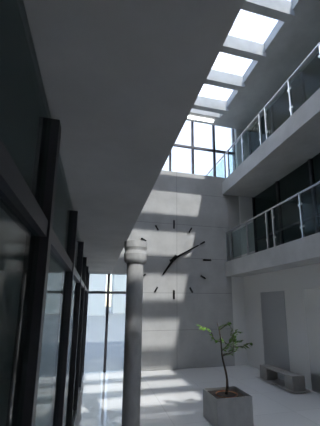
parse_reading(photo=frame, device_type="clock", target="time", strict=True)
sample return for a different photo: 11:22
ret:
7:10
